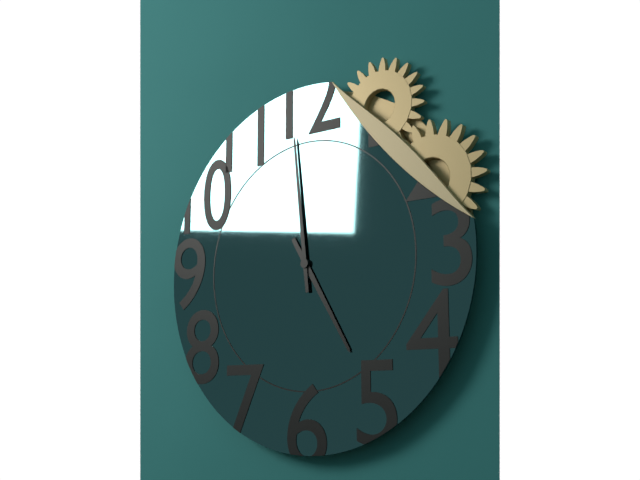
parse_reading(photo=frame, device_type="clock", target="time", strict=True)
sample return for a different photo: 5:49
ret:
4:59
